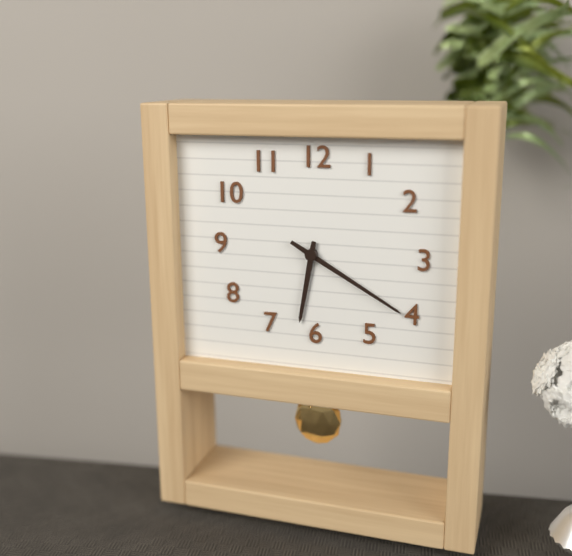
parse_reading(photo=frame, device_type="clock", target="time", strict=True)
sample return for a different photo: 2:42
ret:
6:20
